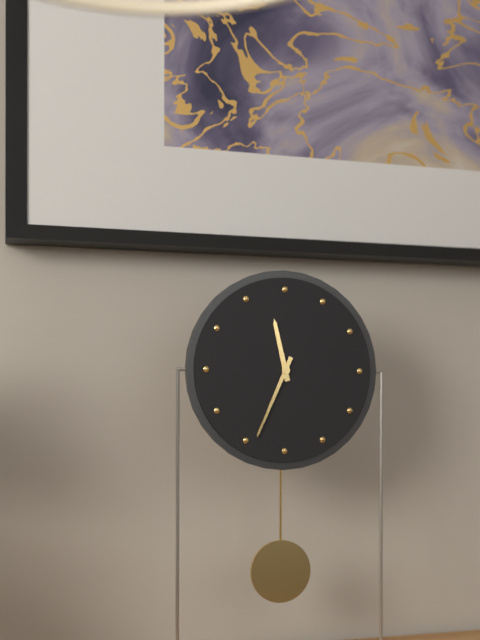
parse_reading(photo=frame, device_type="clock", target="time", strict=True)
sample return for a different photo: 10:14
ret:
11:34
